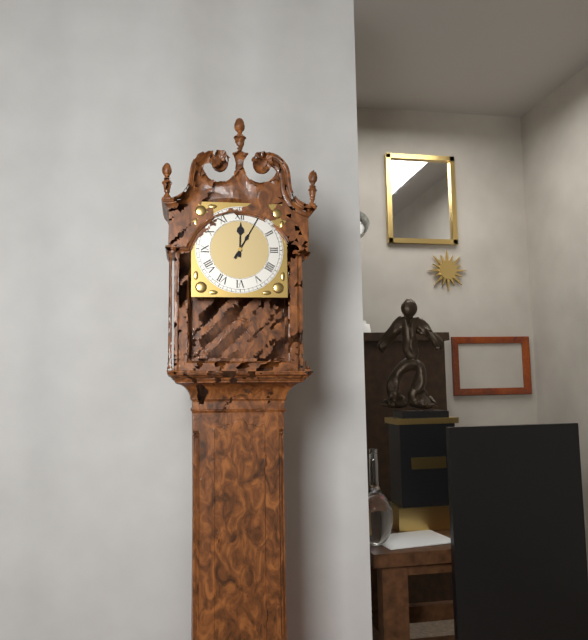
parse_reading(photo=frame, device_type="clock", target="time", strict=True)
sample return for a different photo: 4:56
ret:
12:05
